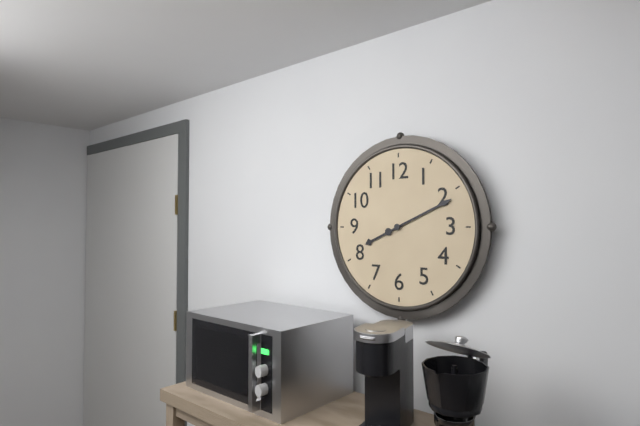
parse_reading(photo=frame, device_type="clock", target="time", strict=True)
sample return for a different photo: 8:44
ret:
8:11
